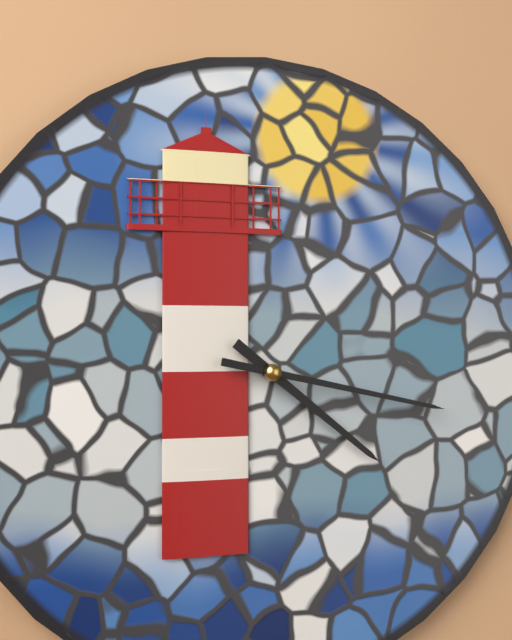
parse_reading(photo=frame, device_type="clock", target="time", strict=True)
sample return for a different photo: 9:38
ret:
4:17
